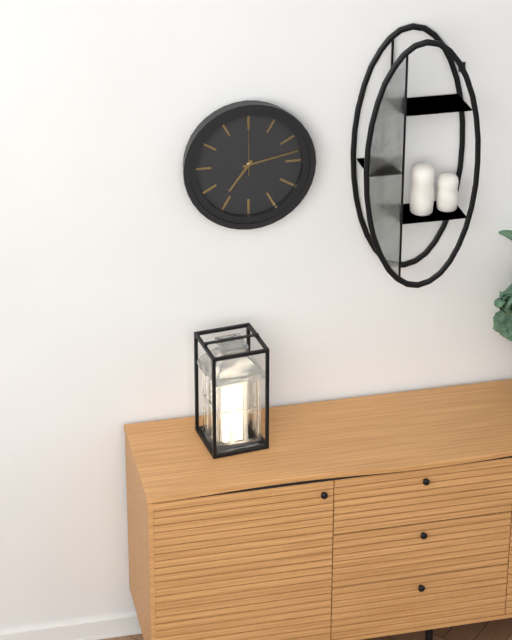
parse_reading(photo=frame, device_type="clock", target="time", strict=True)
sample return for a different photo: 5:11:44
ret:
7:13:00
